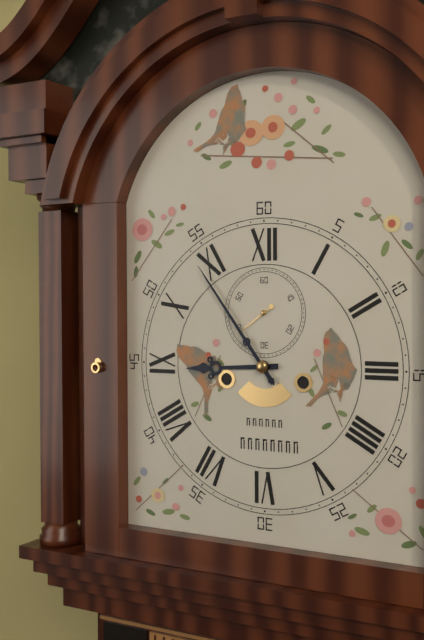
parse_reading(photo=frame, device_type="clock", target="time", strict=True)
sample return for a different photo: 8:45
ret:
8:54
